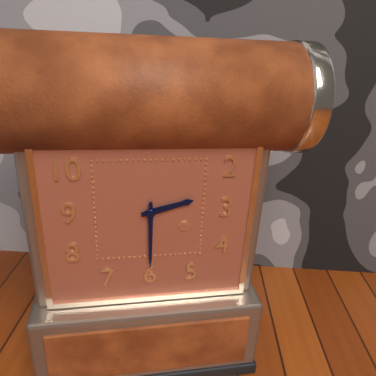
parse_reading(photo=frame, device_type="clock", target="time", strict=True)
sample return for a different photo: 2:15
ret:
2:30
